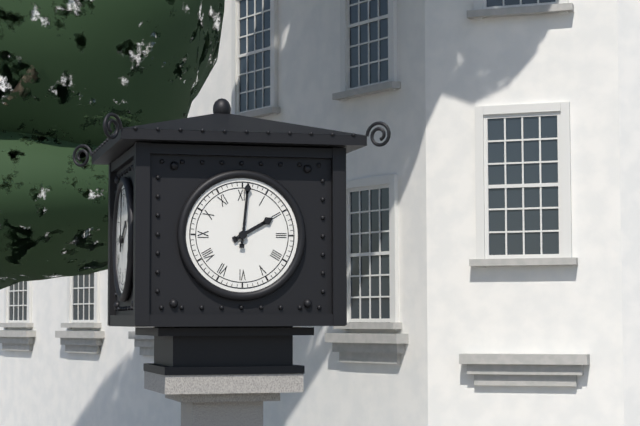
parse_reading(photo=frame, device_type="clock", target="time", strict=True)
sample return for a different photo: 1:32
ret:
2:01
